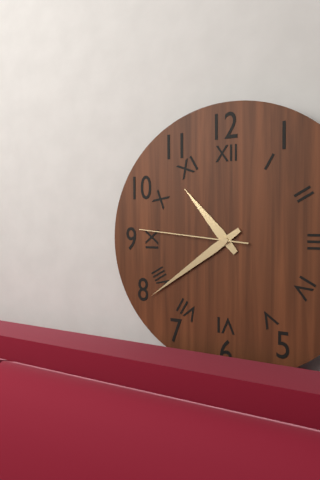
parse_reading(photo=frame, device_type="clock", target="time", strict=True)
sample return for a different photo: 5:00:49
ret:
10:39:46
